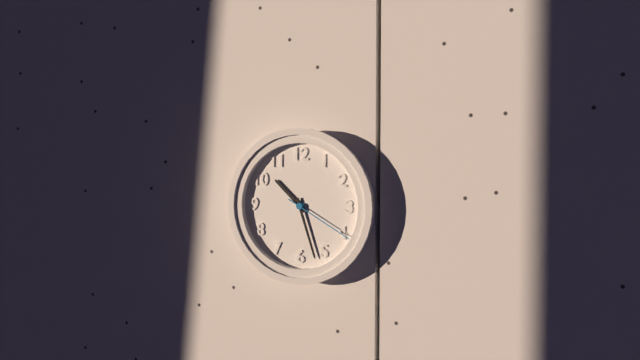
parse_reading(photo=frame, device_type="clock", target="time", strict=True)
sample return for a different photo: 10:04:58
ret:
10:27:20
